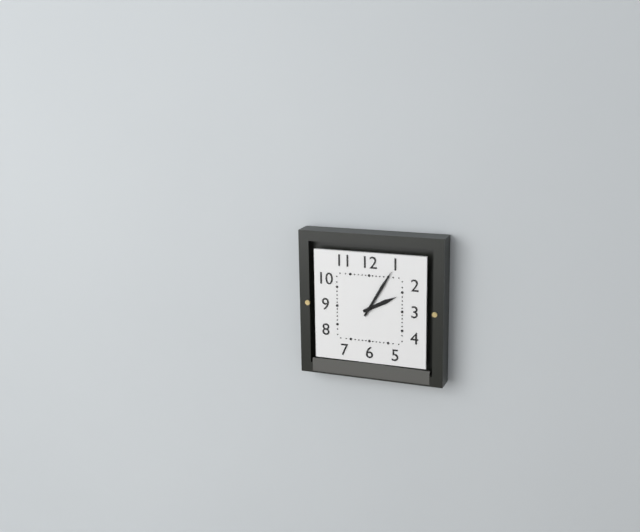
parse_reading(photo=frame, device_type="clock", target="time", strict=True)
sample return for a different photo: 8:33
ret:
2:05
